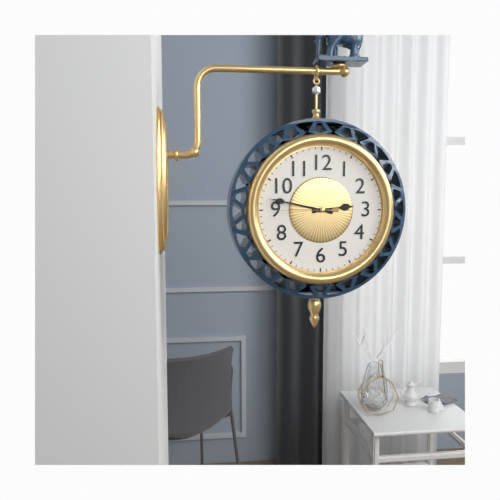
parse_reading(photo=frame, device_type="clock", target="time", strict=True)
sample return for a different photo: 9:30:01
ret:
2:47:45
